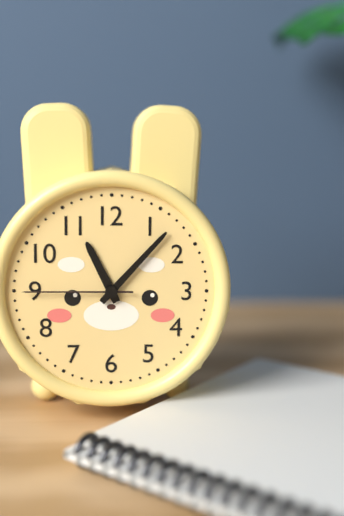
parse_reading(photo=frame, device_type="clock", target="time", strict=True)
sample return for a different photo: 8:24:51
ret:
11:07:45
